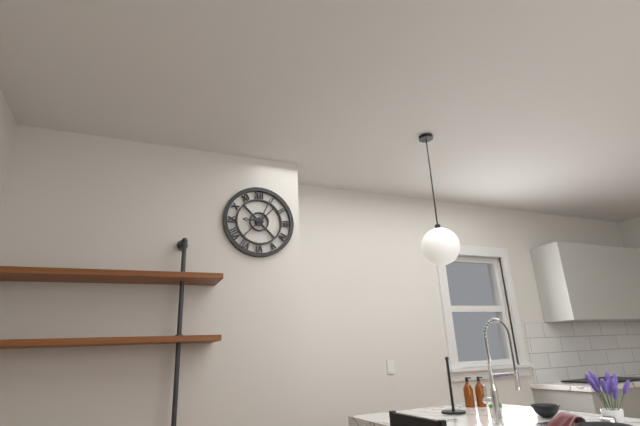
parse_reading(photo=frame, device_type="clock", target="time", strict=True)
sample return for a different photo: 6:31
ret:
9:04
